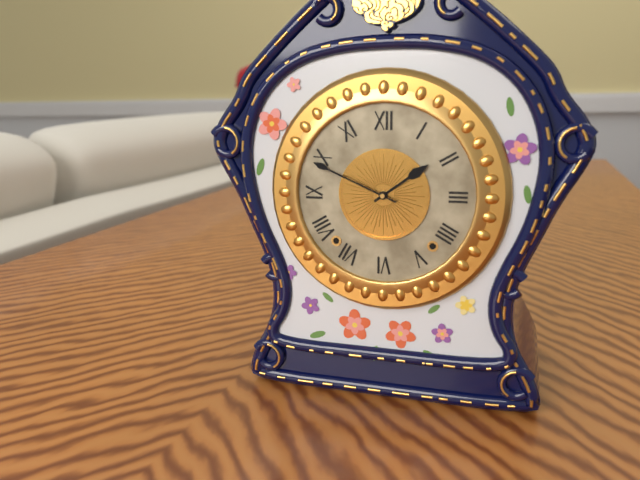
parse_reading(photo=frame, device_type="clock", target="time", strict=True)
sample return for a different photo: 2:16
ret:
1:49
